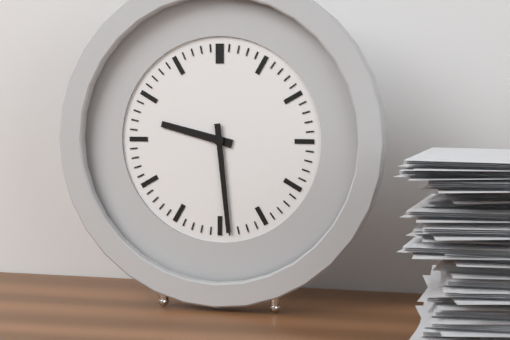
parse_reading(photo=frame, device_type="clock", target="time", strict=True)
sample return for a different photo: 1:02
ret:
9:29
